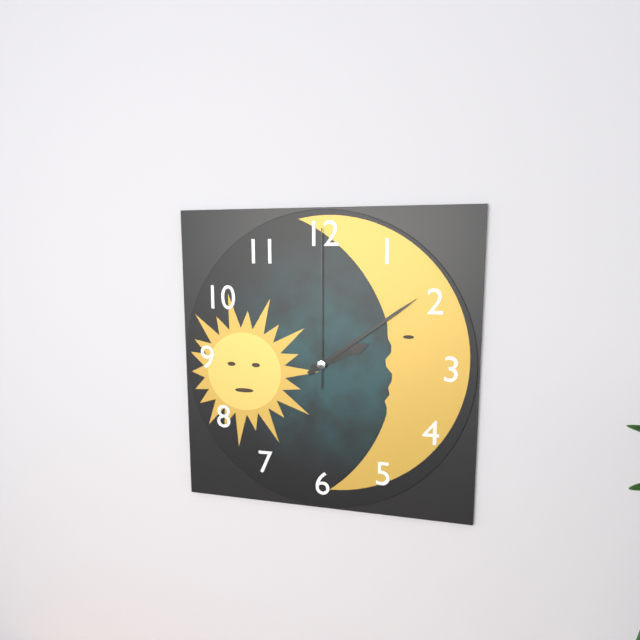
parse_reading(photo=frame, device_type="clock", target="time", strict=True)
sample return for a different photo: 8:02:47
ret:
2:09:00
